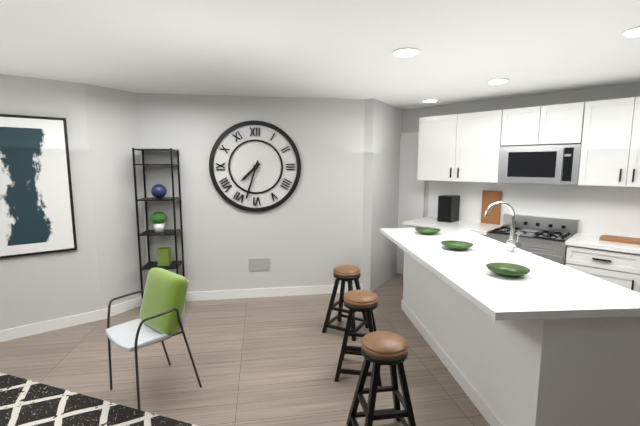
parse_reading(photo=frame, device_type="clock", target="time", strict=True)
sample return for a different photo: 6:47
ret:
7:33
